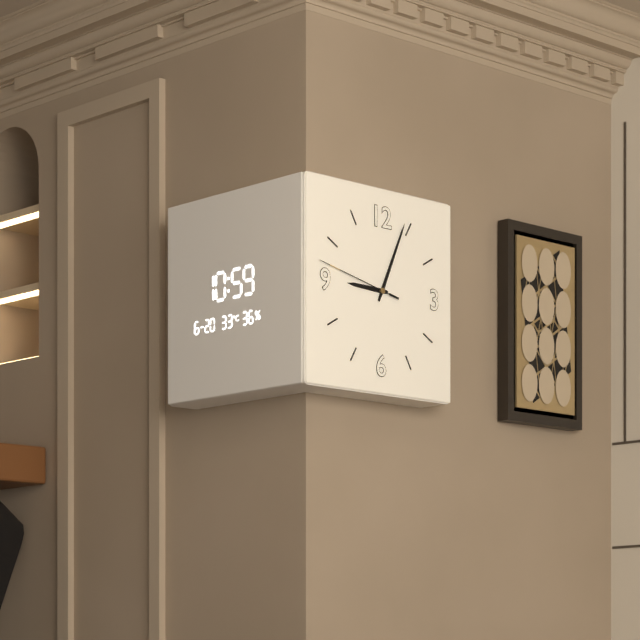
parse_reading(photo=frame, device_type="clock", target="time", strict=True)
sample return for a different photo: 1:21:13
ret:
9:04:47
